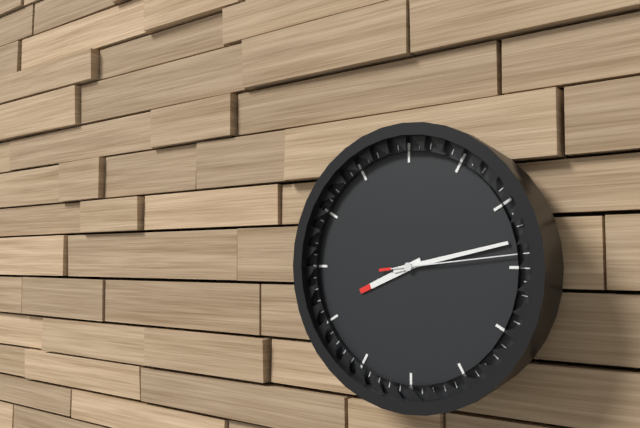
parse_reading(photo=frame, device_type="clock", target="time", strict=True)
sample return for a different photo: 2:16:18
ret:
8:13:14
